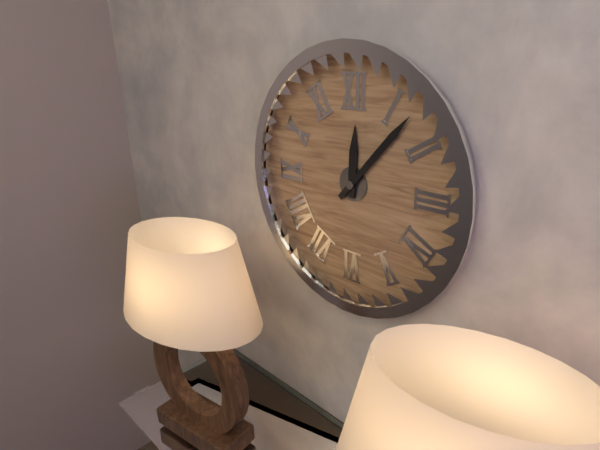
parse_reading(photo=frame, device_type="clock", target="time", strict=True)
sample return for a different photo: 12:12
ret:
12:07
